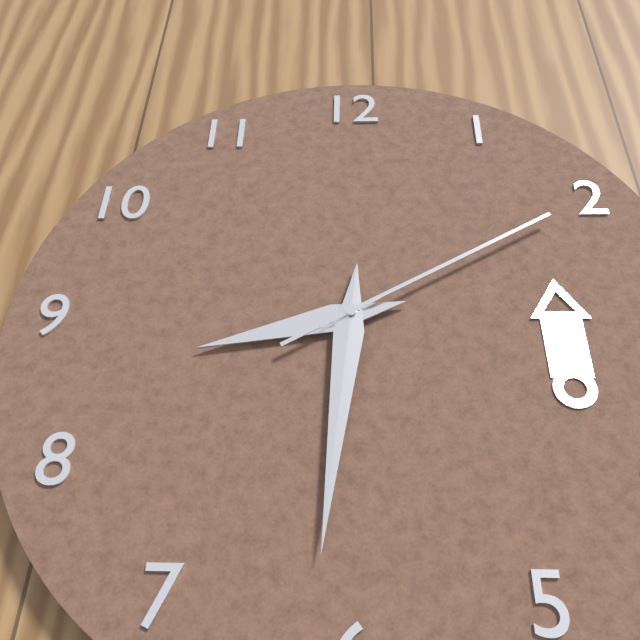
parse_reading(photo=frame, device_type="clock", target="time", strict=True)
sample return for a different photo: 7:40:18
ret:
8:31:10
